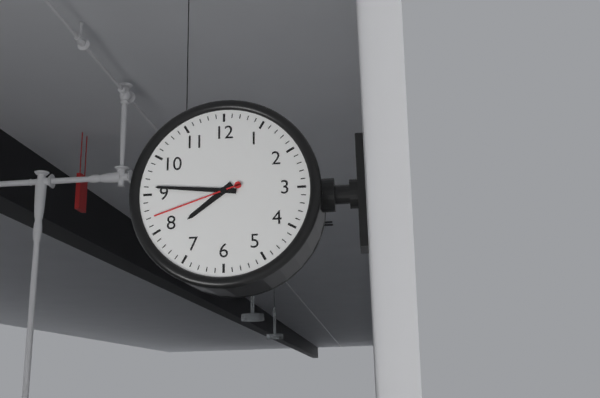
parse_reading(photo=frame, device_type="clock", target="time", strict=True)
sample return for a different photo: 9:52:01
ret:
7:46:42
